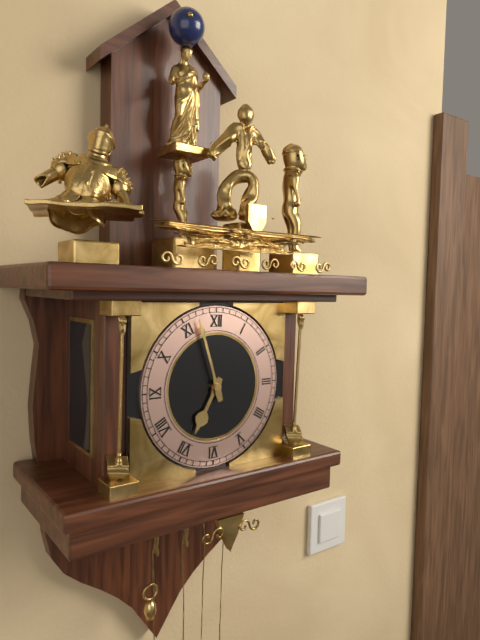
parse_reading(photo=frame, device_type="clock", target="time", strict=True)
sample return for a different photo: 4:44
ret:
6:57
